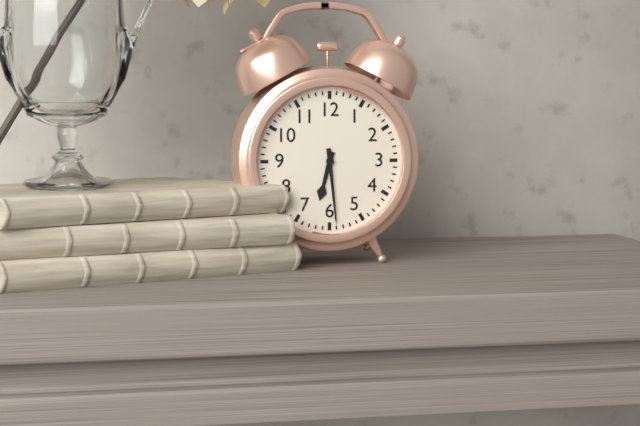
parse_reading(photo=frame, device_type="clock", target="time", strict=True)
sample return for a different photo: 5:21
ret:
6:29
